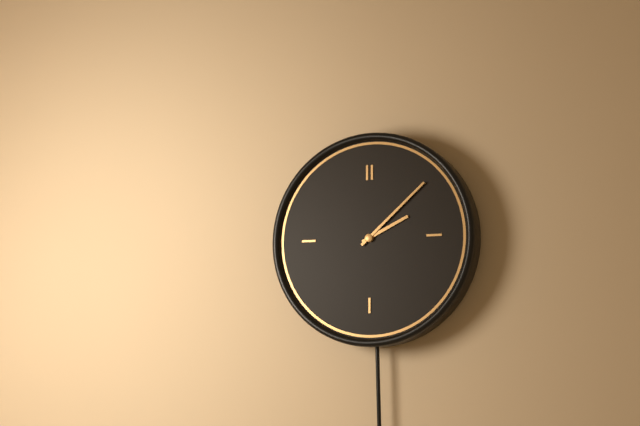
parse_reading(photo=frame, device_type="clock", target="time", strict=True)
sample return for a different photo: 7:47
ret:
2:08
